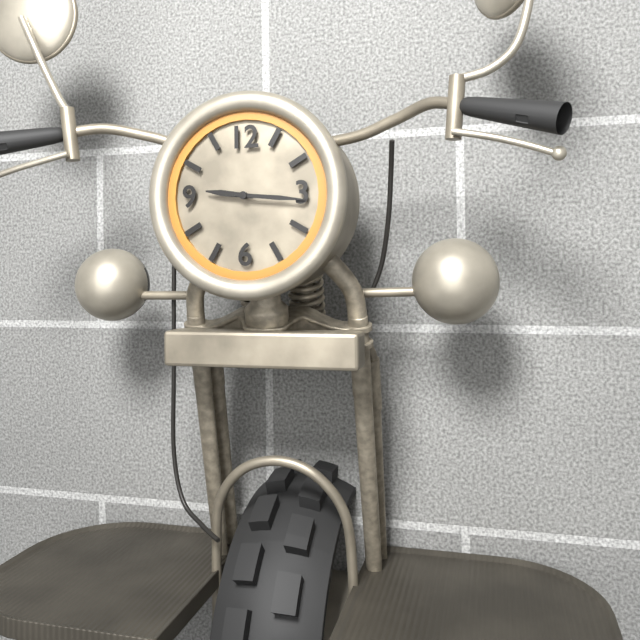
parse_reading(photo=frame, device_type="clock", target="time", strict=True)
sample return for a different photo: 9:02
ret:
9:16
